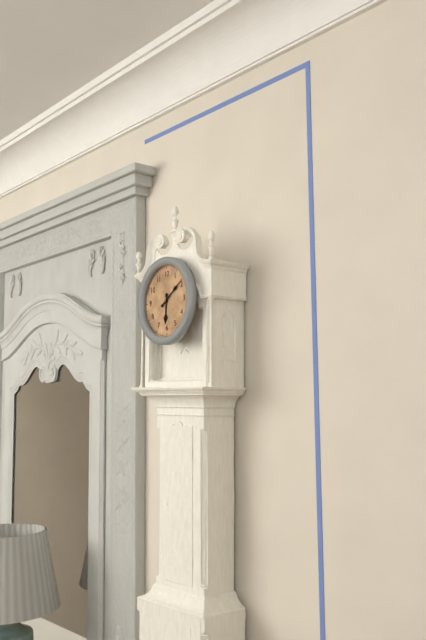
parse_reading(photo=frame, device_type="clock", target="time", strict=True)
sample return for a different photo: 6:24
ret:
6:09
